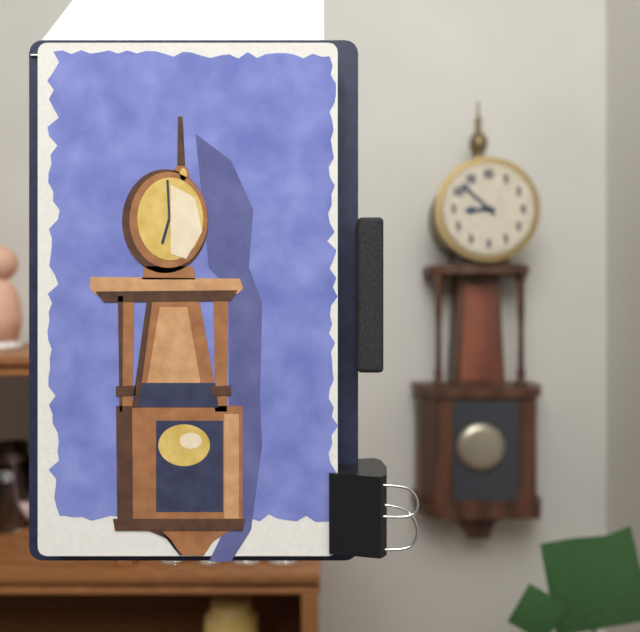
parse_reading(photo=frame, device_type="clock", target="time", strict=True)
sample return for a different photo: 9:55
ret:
8:52
